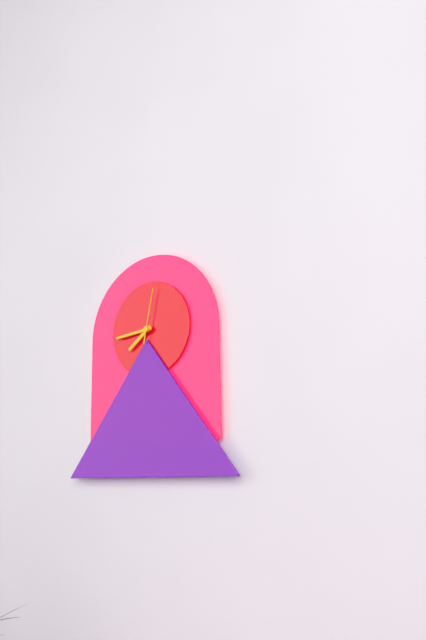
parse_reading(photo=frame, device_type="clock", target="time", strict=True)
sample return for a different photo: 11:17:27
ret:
7:44:02
